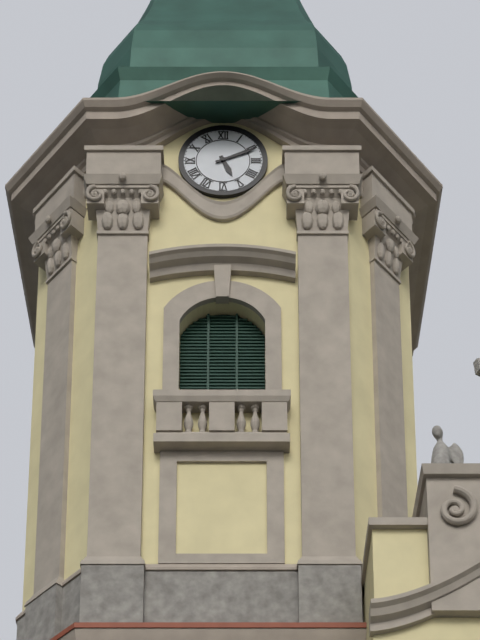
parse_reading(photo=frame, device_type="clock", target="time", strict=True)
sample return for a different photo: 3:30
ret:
5:11
